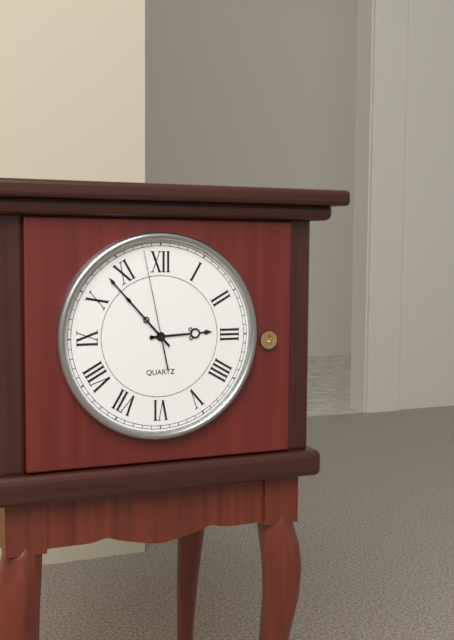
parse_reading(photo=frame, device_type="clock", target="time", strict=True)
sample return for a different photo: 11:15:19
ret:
2:53:58
